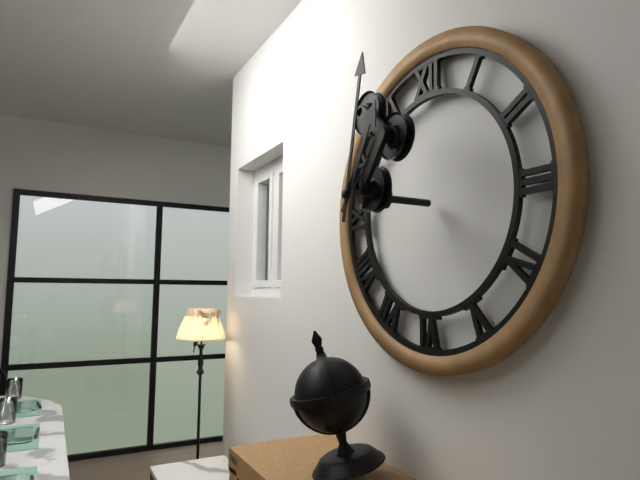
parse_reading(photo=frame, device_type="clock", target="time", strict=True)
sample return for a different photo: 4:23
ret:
1:02
